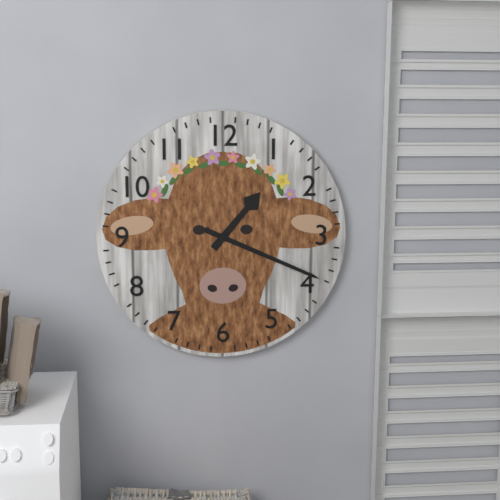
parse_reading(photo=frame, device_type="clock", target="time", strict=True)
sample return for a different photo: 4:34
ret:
1:19
